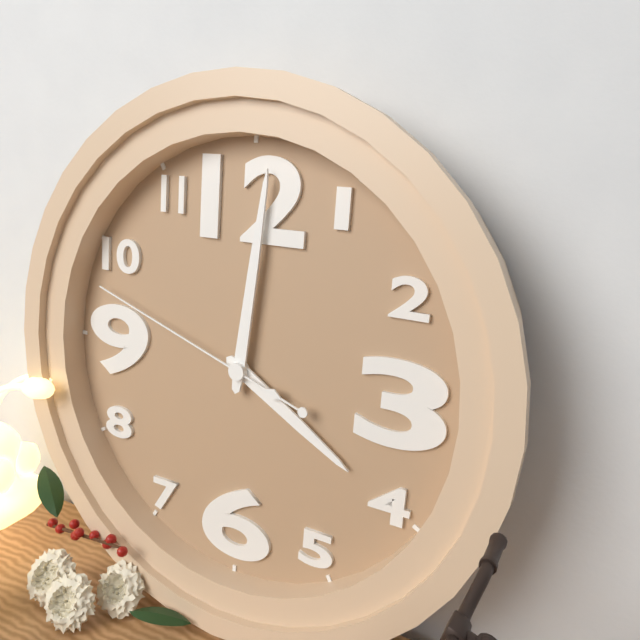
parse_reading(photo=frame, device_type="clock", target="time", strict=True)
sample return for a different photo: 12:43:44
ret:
4:01:48
